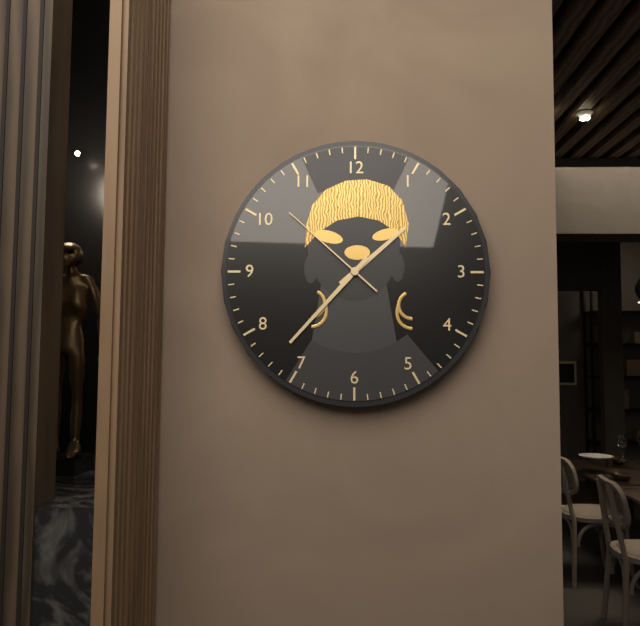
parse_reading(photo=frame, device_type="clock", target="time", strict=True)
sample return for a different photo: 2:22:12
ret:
1:37:52
